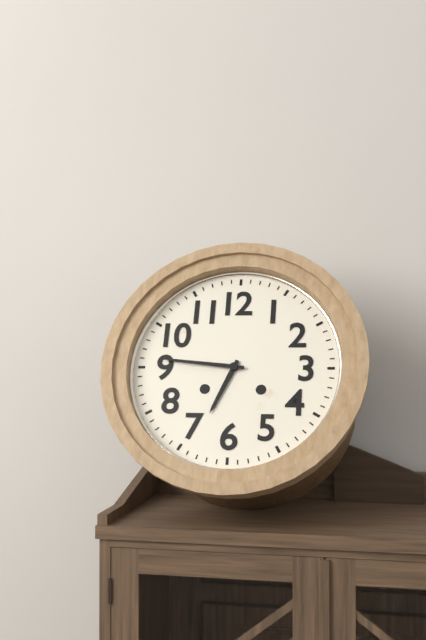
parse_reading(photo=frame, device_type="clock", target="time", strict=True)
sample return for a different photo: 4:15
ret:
6:46
